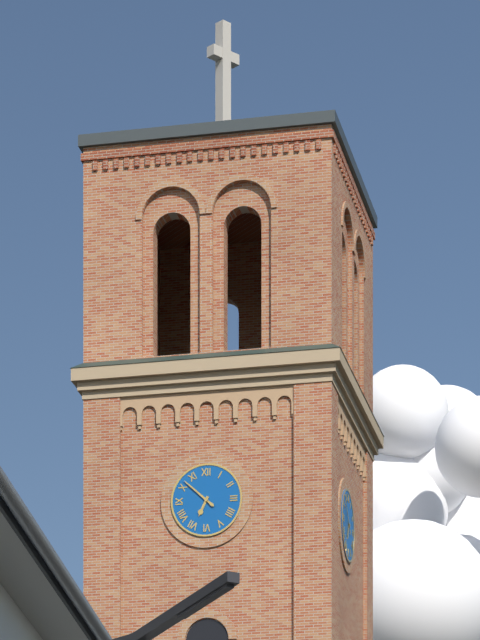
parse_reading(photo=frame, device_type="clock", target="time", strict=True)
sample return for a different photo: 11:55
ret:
6:52
